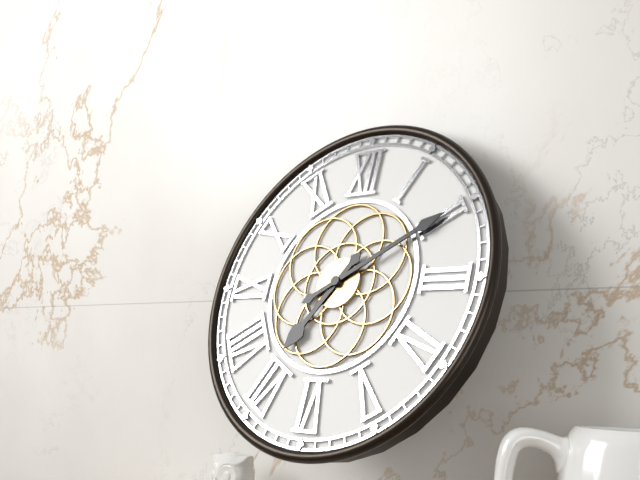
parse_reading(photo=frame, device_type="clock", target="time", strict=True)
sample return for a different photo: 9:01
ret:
7:10
